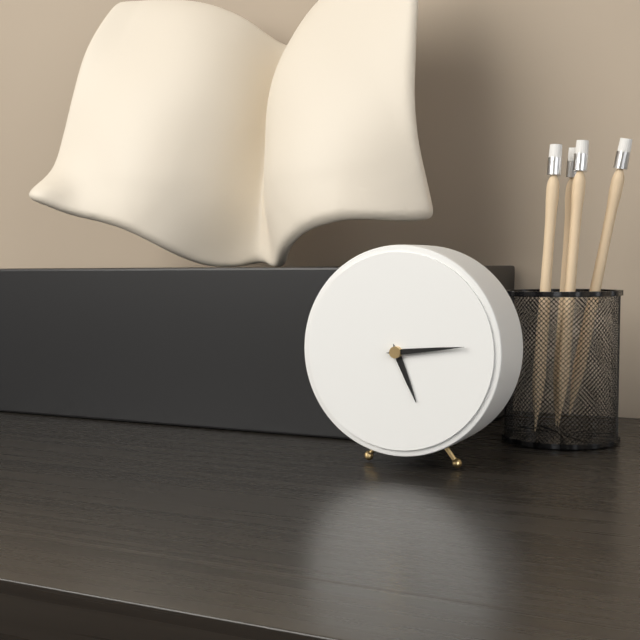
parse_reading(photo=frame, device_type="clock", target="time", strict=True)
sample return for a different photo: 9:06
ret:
5:14
